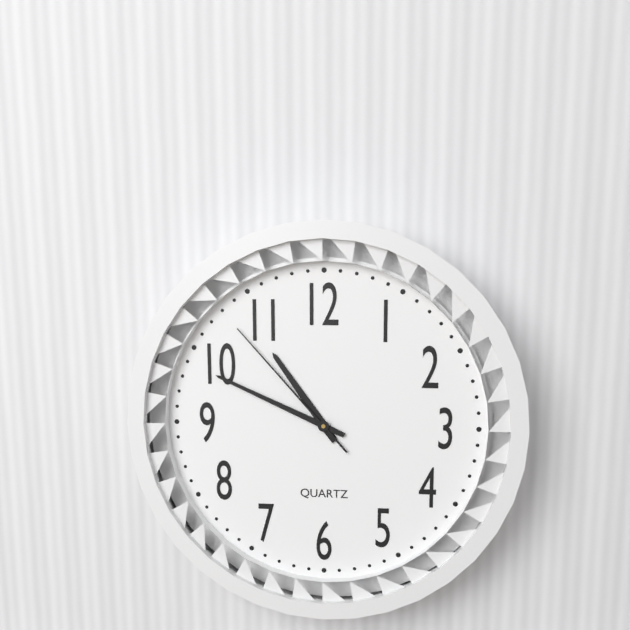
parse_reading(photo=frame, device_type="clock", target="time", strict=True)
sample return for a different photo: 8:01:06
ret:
10:49:53
